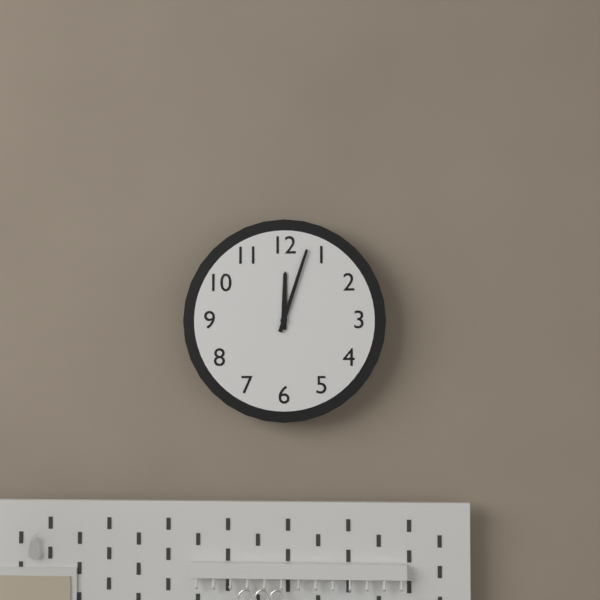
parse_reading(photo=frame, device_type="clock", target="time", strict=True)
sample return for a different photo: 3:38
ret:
12:03
